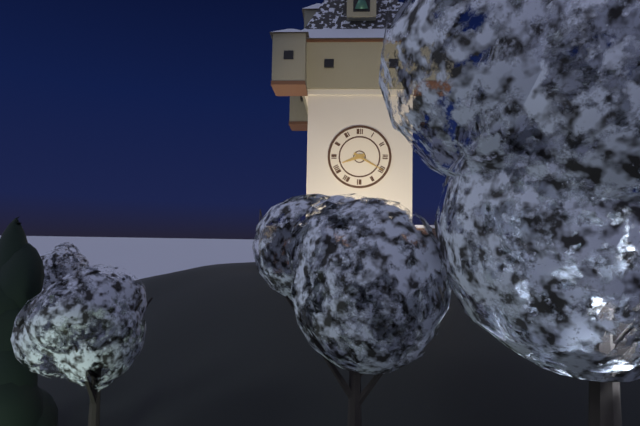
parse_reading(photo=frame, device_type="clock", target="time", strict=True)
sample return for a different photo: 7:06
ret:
8:20
